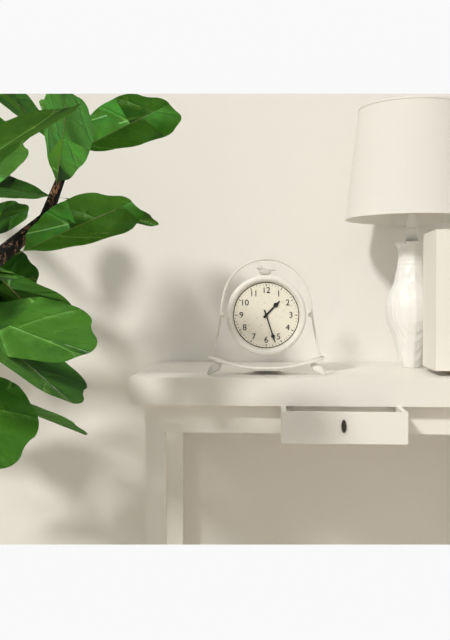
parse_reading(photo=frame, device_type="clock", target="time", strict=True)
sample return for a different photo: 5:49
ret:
1:27
